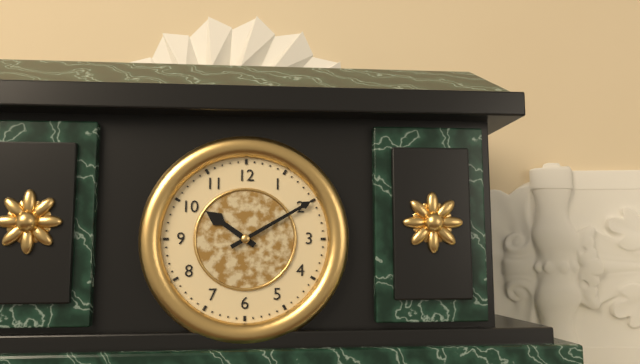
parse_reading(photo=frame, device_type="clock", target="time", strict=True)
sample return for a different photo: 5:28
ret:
10:10
